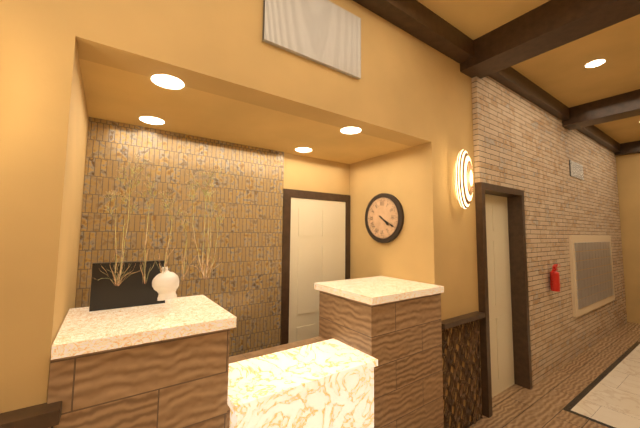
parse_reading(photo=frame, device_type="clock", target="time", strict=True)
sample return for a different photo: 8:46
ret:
4:20
